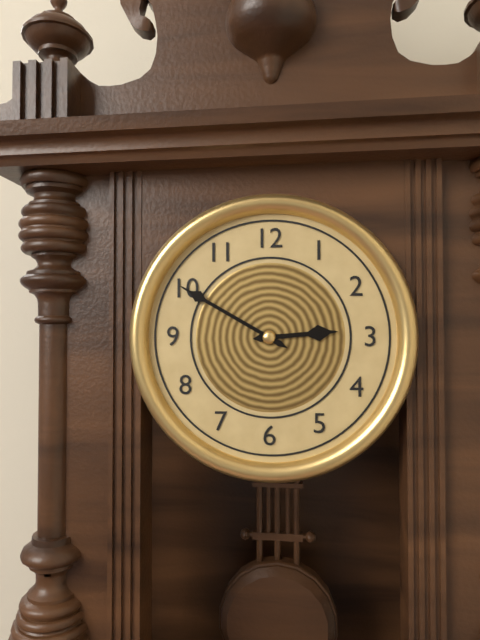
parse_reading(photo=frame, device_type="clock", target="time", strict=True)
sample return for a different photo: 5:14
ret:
2:50
